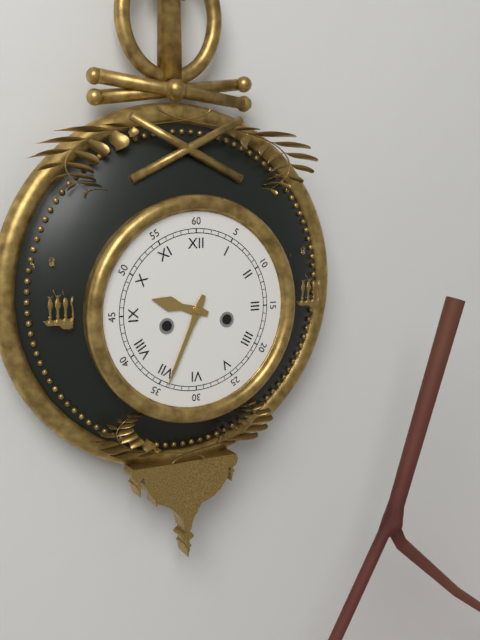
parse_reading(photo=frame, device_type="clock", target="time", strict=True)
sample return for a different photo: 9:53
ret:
9:34
